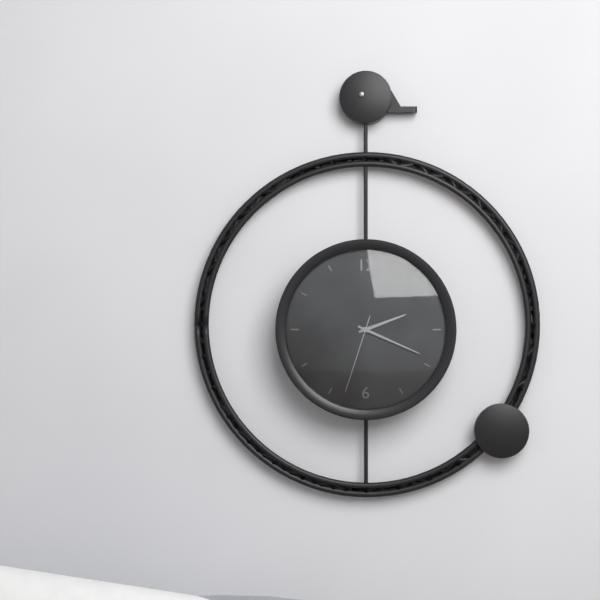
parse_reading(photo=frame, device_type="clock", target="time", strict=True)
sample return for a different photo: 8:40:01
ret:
2:19:33
